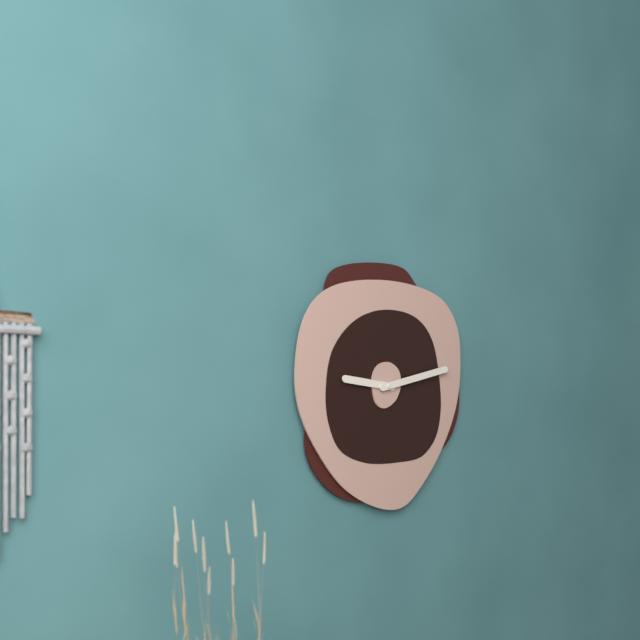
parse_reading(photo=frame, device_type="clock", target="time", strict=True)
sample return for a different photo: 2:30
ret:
9:13
